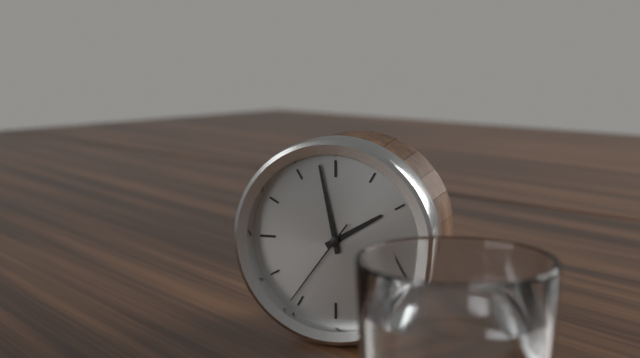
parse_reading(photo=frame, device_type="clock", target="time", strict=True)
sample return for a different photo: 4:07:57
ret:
1:58:36
